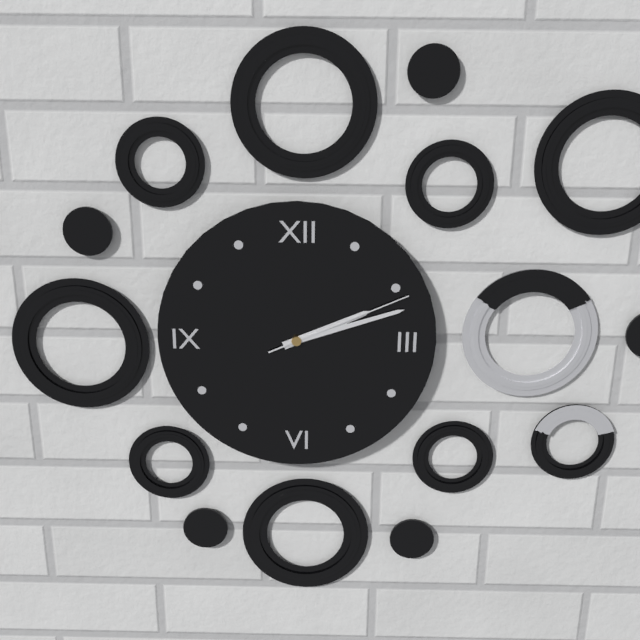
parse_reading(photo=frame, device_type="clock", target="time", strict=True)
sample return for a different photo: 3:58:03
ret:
2:12:11
